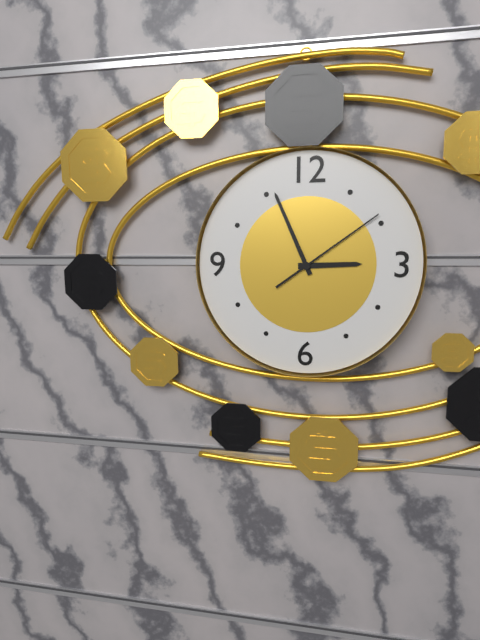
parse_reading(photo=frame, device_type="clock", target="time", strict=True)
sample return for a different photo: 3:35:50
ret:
2:56:09
